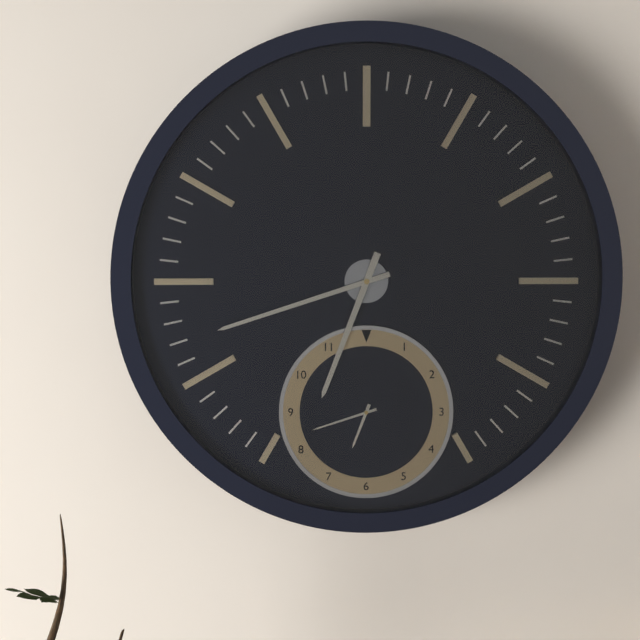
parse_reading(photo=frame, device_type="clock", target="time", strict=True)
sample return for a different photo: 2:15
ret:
6:42
